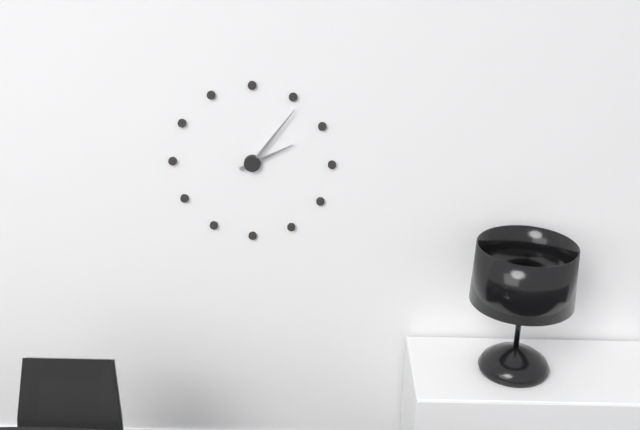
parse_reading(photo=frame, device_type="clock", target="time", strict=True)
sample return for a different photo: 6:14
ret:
2:06
